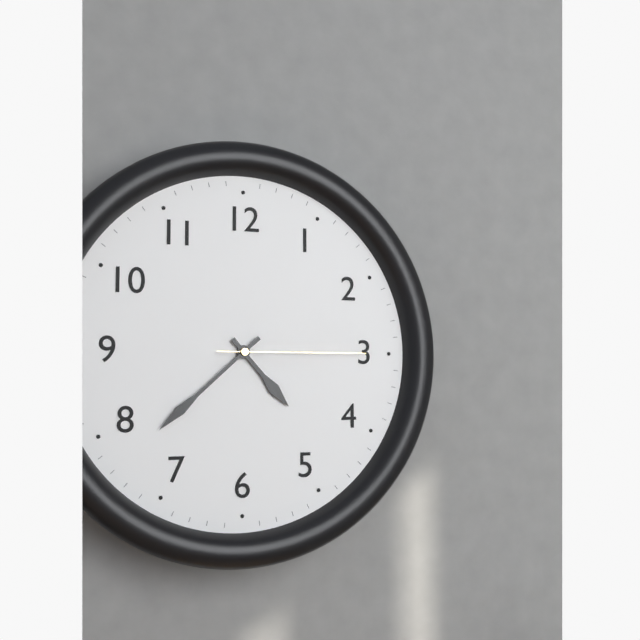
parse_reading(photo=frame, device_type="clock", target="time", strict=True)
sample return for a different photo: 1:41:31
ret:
4:38:15
